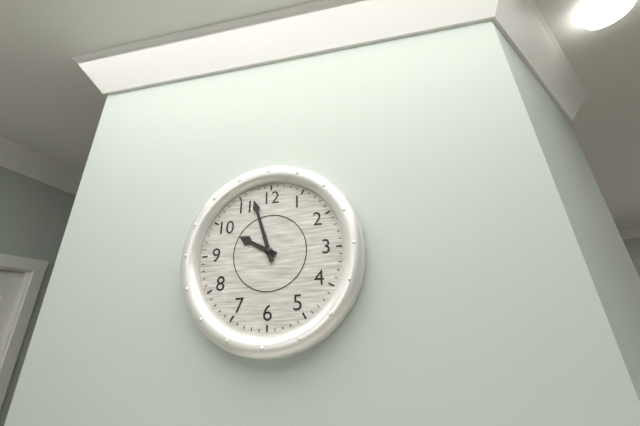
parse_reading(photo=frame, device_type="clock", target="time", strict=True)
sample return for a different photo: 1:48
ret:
9:57
